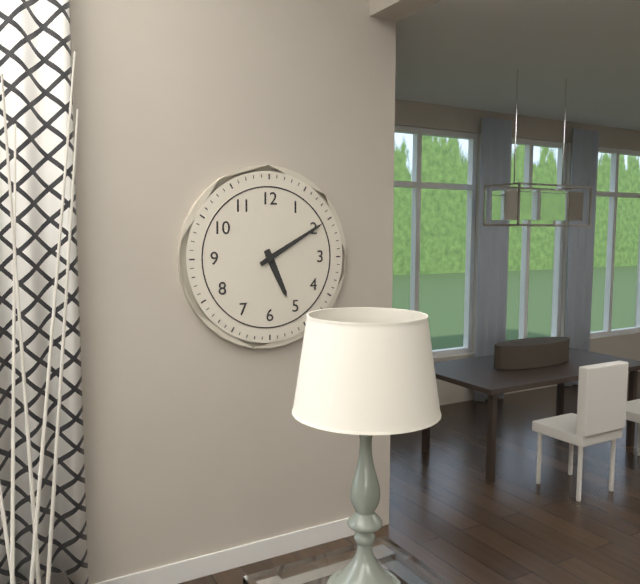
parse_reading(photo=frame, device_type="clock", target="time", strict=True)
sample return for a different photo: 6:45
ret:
5:10
